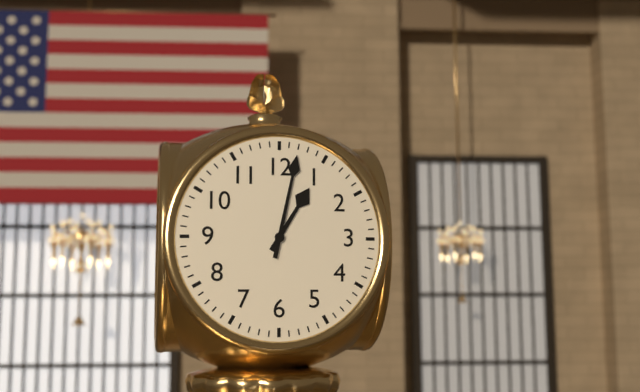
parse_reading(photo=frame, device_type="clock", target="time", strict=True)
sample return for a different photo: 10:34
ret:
1:02
